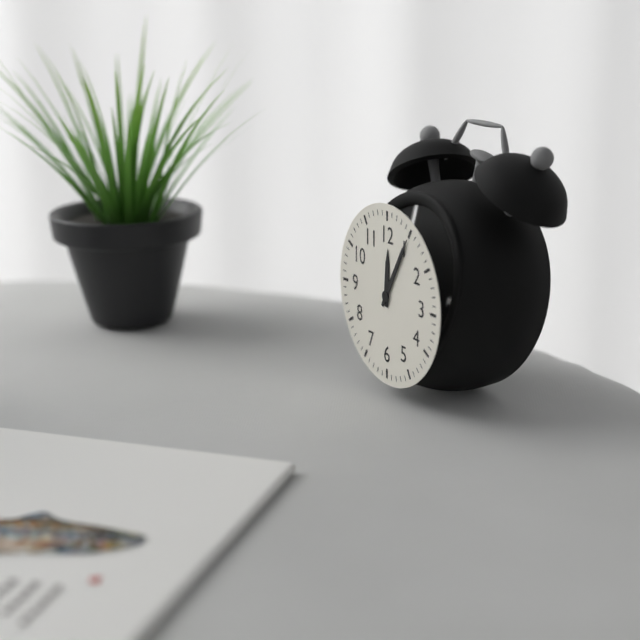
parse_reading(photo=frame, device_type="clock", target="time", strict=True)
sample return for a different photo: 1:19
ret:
12:05
